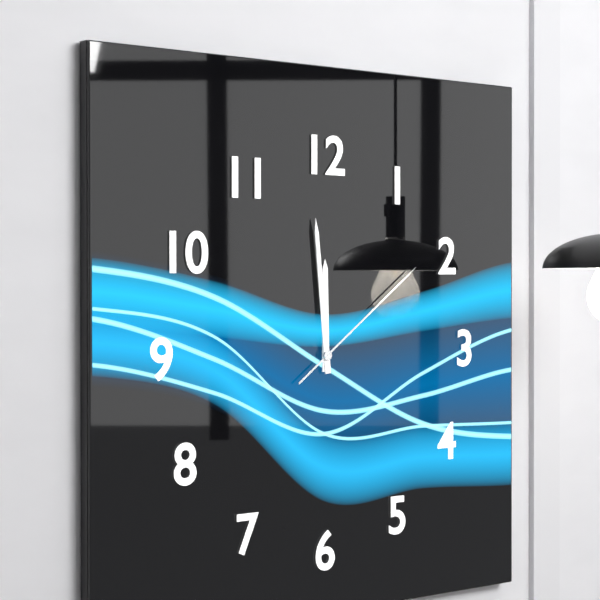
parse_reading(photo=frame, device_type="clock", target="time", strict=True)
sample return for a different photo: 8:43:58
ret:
11:59:09
